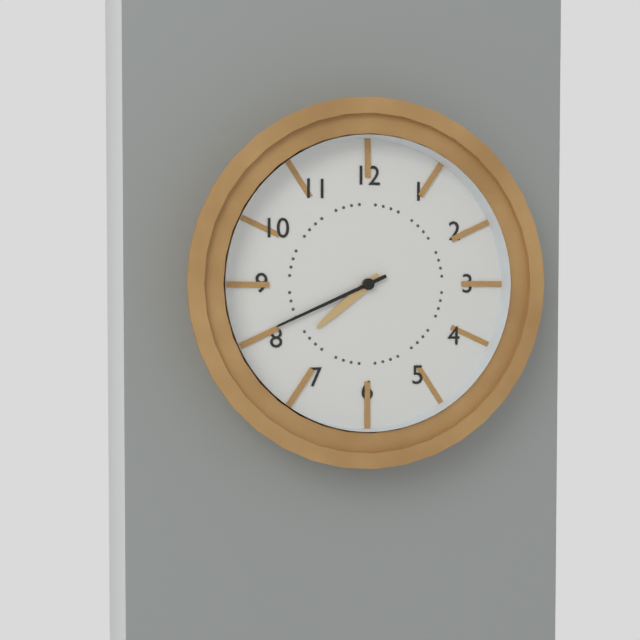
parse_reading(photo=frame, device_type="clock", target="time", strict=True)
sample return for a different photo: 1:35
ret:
7:41
